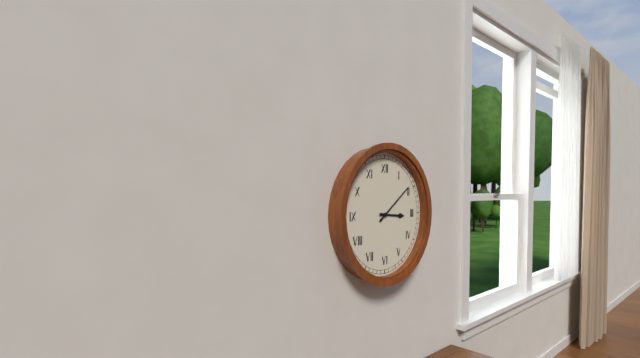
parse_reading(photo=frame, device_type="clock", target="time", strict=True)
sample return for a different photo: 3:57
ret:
3:09
